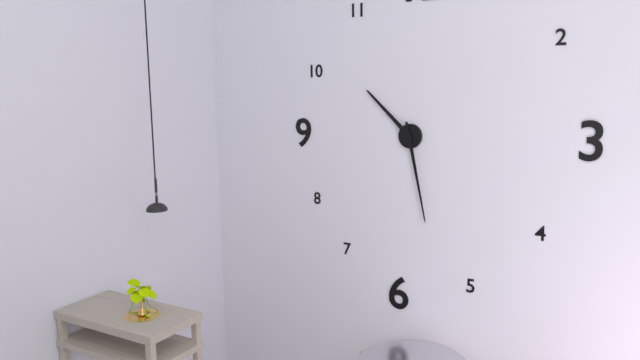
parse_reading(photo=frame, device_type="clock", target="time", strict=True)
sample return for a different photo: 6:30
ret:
10:28
